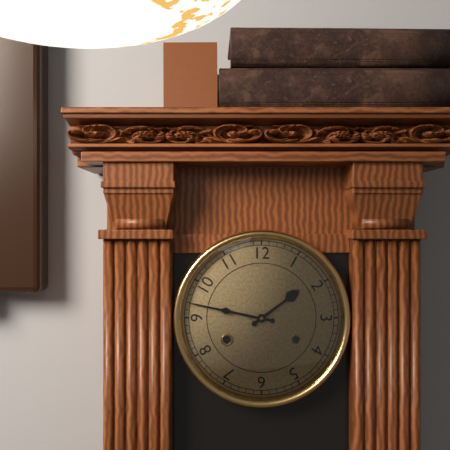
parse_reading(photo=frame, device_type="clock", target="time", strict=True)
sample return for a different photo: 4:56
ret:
1:47
